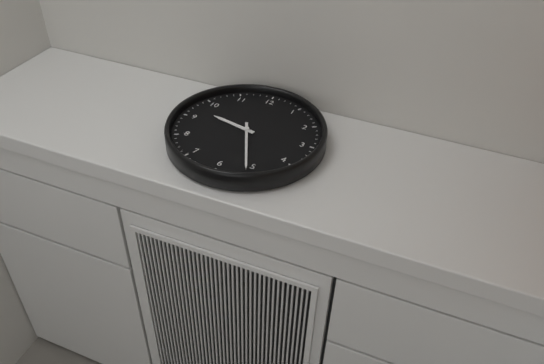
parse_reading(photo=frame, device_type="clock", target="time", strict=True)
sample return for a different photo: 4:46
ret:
9:26
